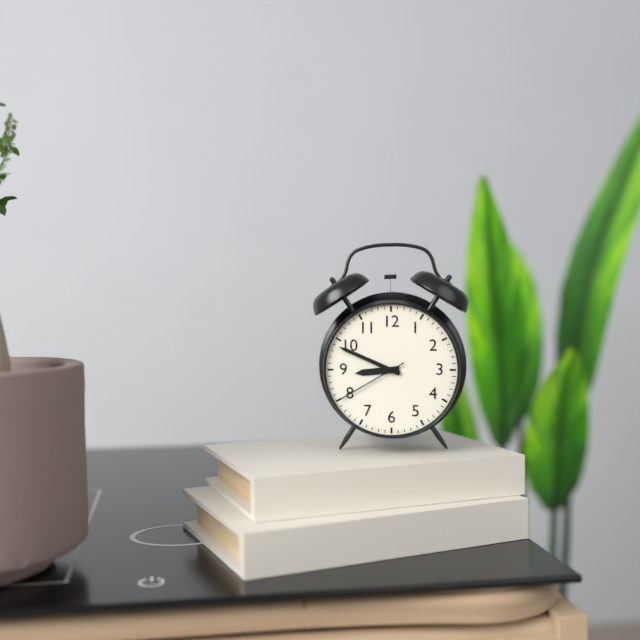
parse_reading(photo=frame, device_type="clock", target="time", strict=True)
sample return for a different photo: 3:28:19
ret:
8:49:40
